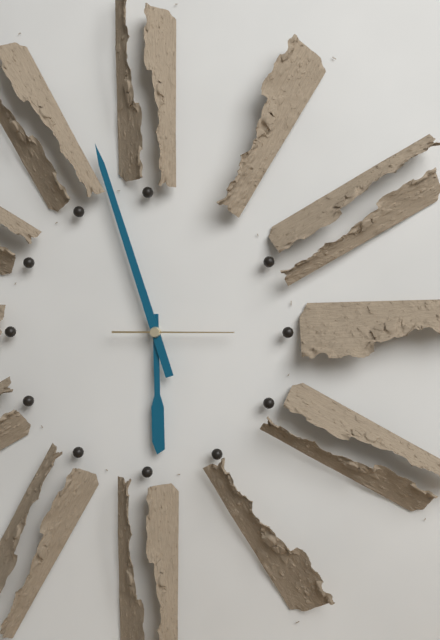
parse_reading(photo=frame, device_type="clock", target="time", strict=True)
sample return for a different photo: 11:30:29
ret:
5:57:15
